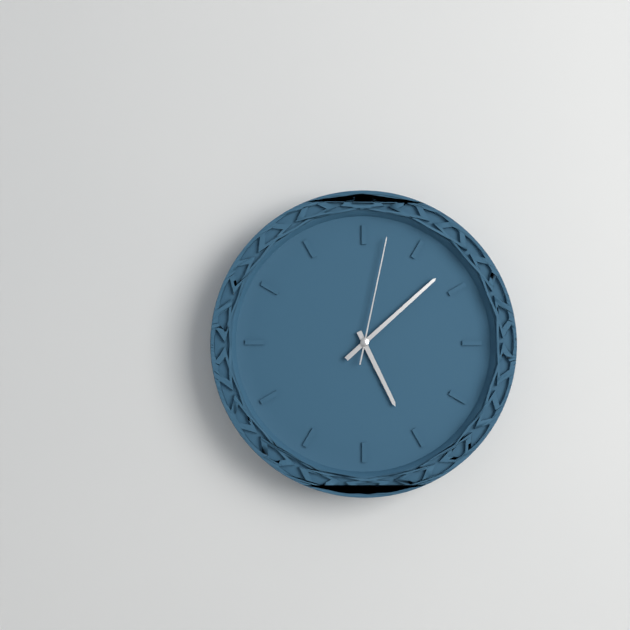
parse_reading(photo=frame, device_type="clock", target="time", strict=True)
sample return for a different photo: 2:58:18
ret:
5:08:02
